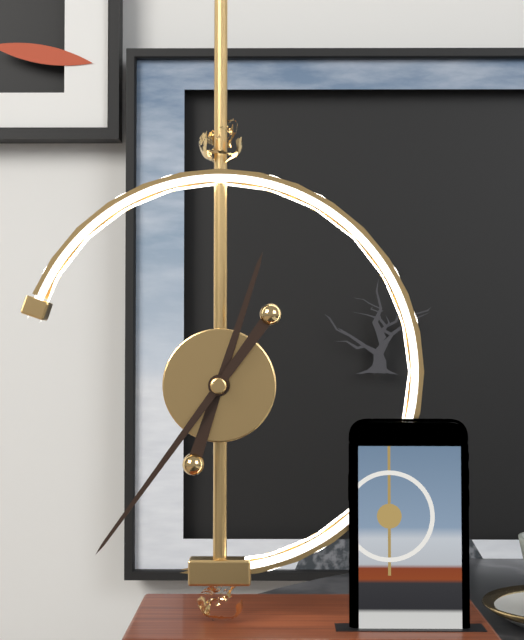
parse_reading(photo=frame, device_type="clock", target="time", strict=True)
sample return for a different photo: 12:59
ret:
12:36
